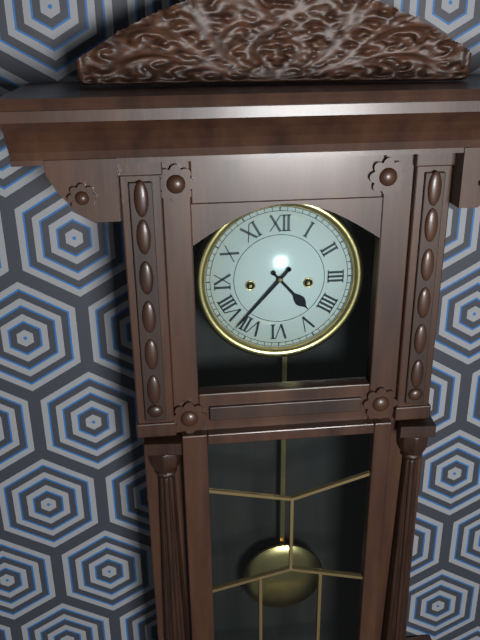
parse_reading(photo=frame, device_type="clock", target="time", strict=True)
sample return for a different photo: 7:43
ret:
4:37
